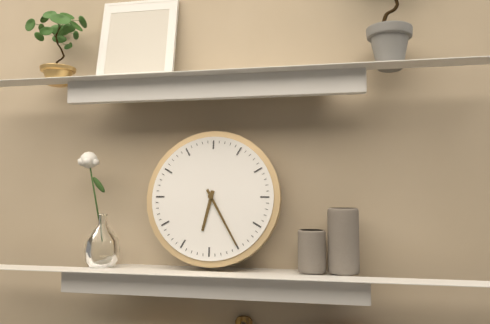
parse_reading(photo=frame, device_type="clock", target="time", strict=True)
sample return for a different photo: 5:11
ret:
6:25
